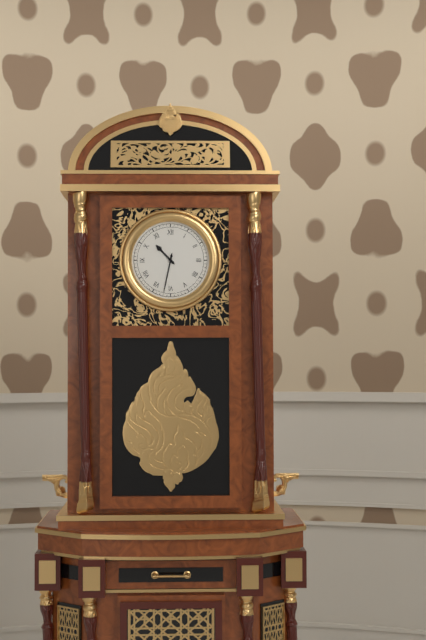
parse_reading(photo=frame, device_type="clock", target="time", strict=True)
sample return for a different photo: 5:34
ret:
10:32
